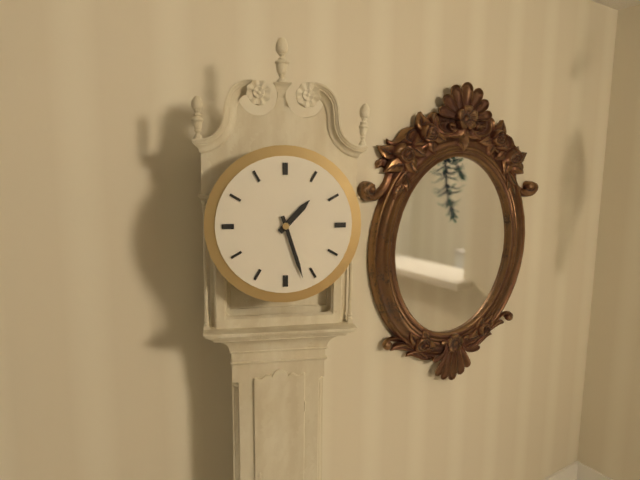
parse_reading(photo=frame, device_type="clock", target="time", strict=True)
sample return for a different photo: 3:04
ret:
1:27
